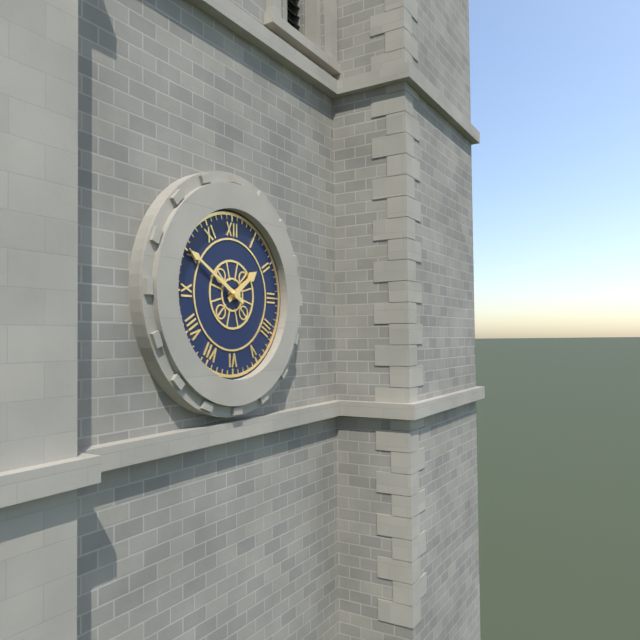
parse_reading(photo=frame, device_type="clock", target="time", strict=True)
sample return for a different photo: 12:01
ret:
1:50
